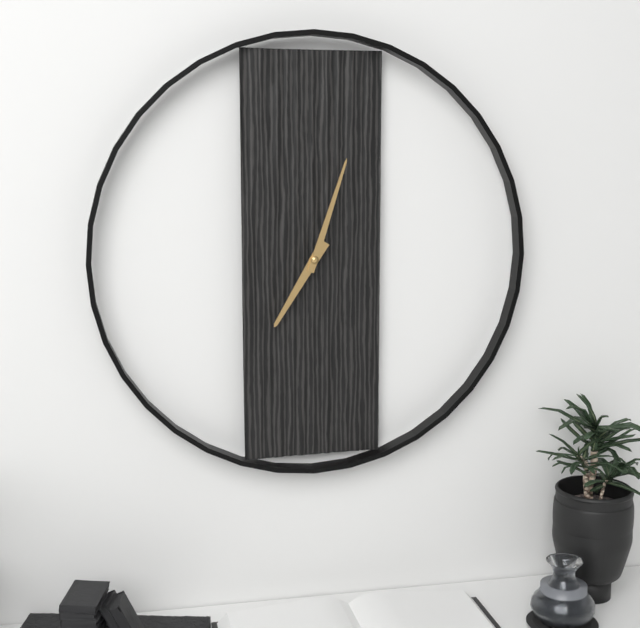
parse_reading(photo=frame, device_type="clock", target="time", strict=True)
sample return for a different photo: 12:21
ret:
7:03
